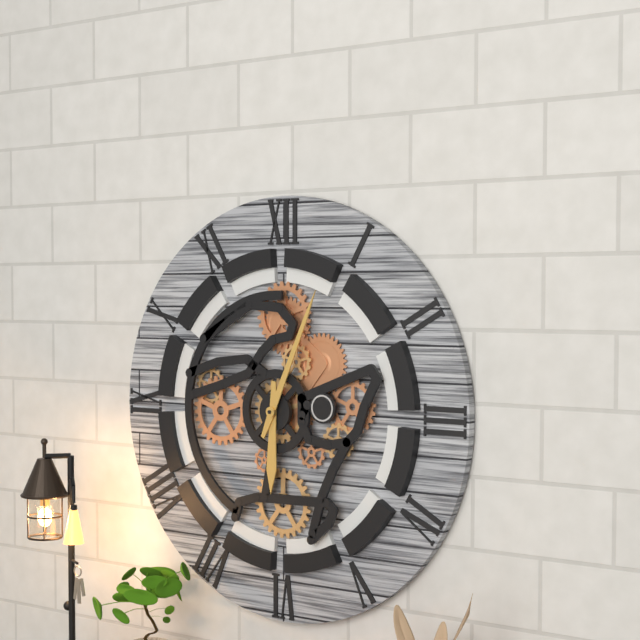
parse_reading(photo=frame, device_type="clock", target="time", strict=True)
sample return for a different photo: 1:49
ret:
6:04
